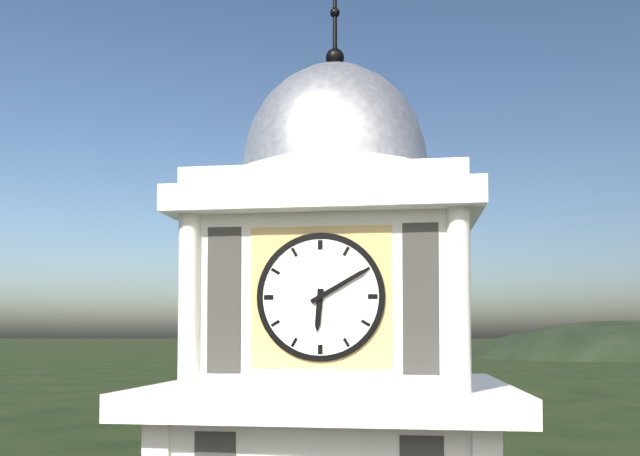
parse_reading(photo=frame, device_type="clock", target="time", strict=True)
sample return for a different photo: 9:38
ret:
6:10
